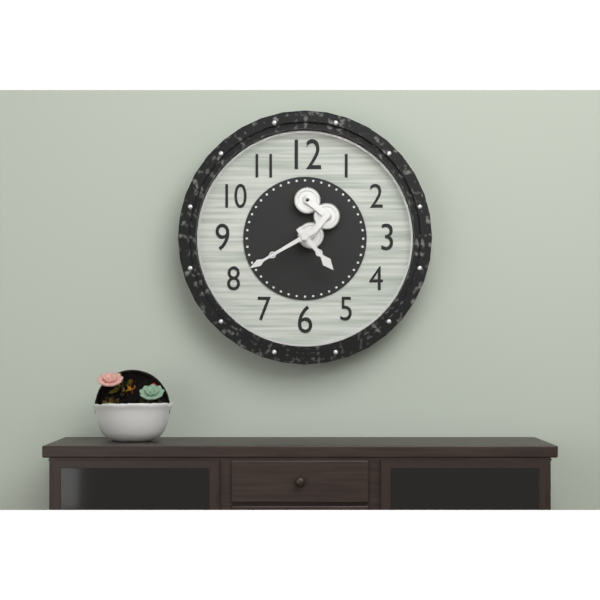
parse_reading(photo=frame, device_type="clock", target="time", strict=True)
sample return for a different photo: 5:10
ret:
4:40
